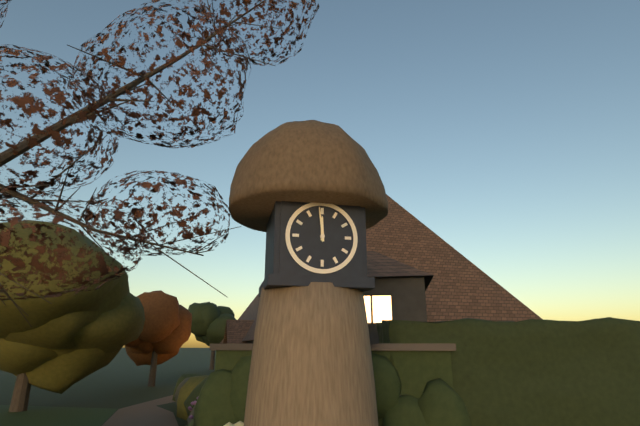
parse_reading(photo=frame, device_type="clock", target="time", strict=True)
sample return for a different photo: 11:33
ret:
11:59
